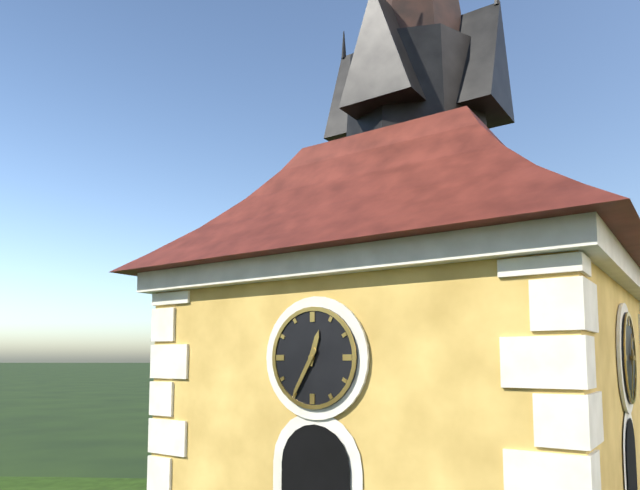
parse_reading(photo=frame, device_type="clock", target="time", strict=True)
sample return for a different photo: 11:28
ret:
12:35
